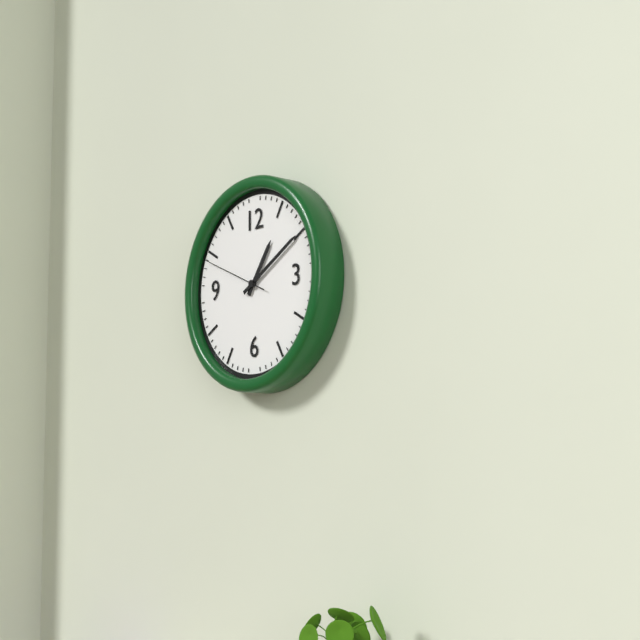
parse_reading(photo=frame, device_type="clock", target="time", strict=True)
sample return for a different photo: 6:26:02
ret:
1:10:49
